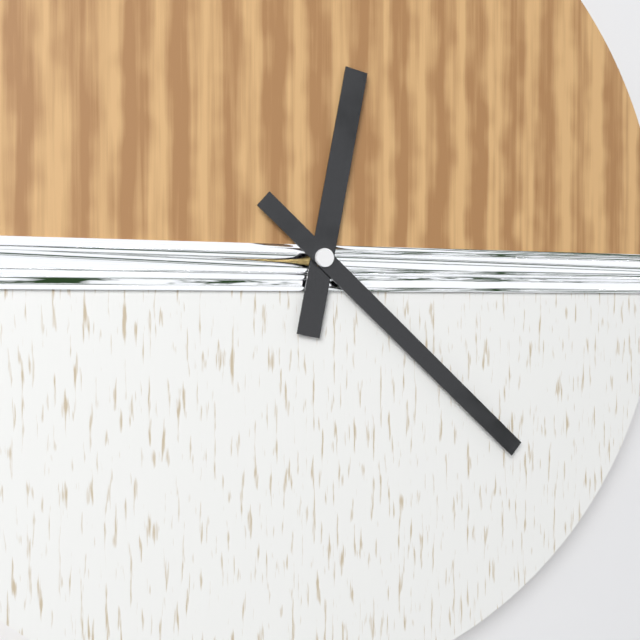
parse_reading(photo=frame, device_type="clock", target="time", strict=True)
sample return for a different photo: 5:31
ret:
12:22
